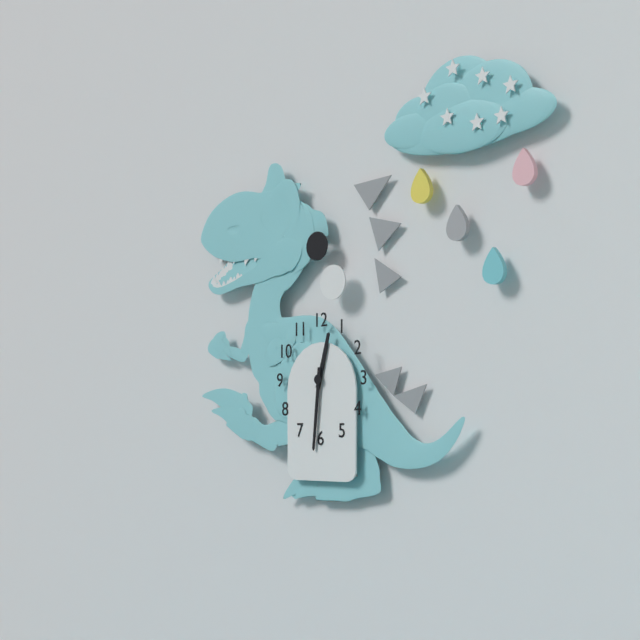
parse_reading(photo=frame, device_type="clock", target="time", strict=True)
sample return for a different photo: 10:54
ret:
12:31
